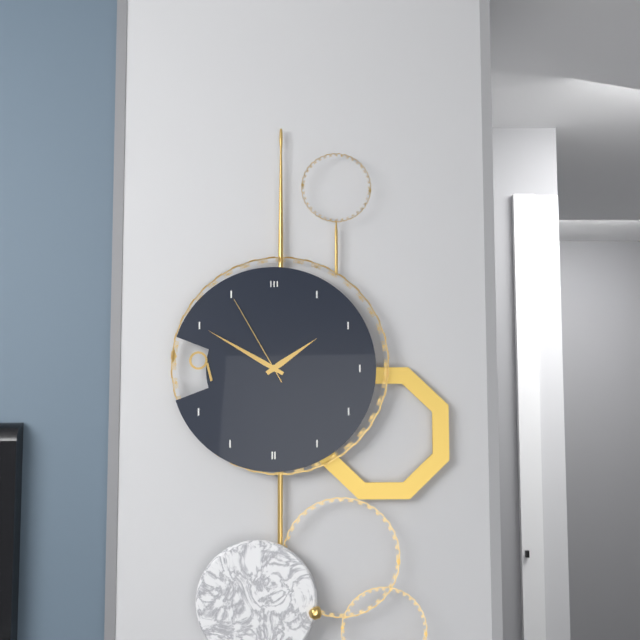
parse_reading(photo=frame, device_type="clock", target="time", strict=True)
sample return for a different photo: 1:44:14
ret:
1:50:55
